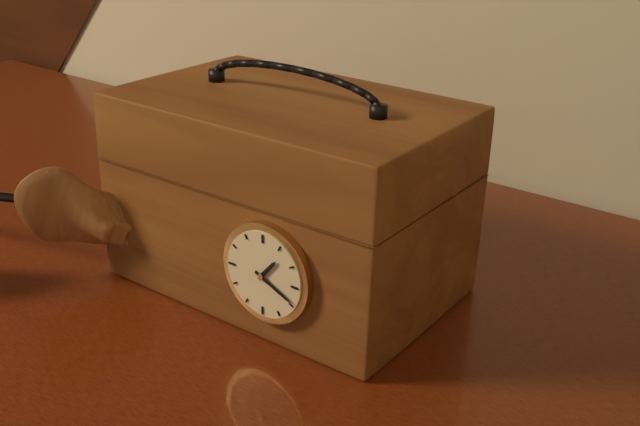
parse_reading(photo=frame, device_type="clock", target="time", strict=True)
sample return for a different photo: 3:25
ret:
1:19
